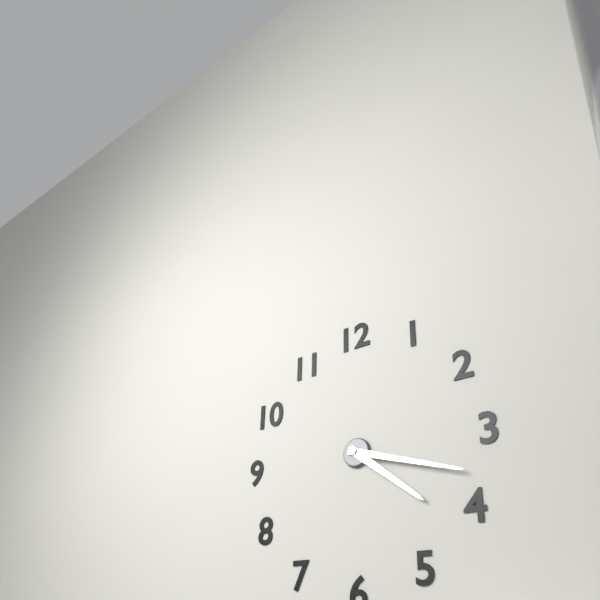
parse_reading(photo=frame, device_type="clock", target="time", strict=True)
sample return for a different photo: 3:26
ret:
4:18
